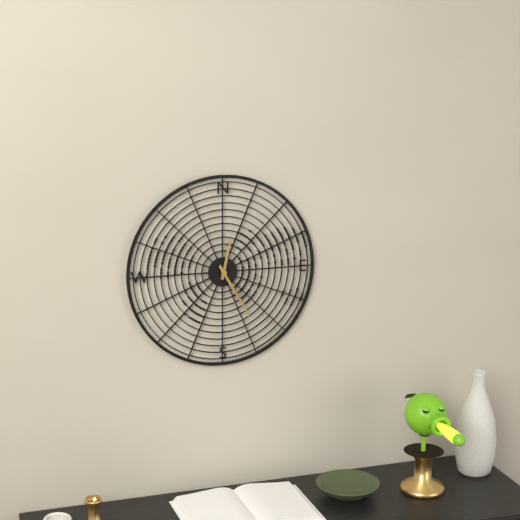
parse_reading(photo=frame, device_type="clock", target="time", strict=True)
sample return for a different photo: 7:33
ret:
12:25
